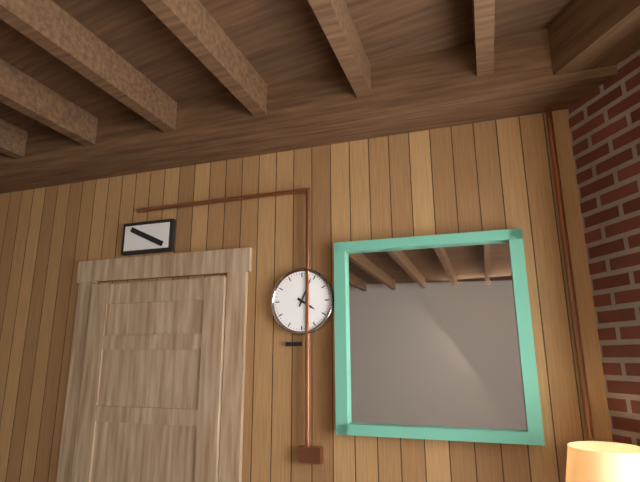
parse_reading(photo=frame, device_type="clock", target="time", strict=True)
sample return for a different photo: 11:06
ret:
4:04
